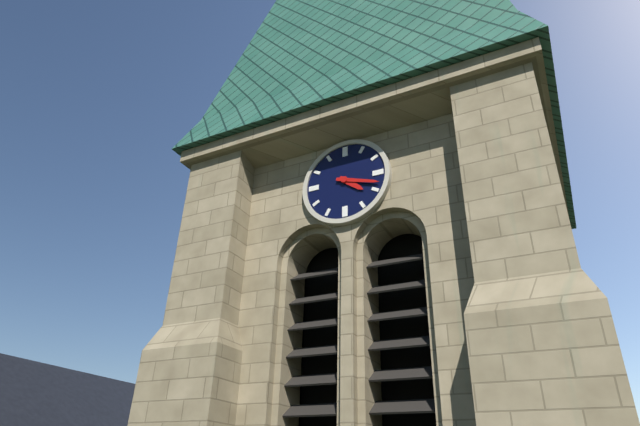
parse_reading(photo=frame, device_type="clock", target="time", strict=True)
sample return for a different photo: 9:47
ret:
4:18
